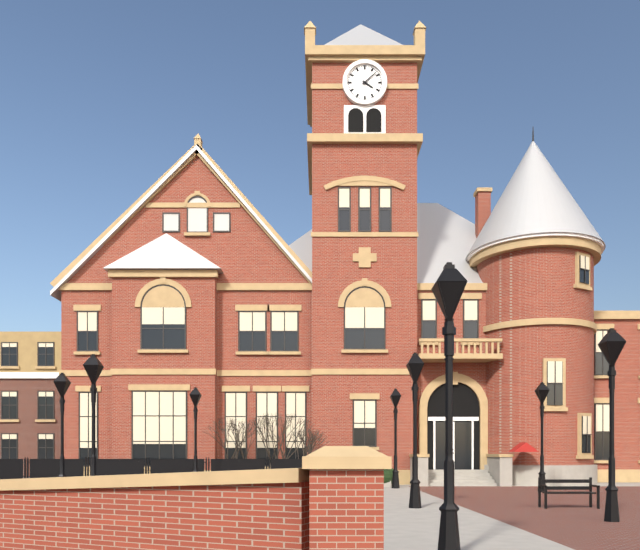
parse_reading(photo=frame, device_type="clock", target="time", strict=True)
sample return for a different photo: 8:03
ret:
4:08
